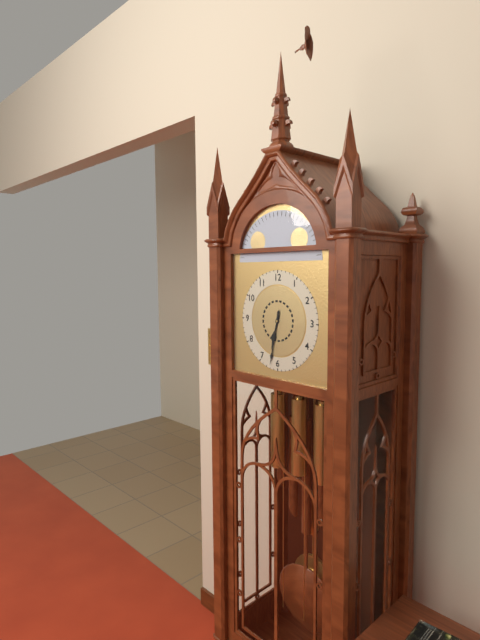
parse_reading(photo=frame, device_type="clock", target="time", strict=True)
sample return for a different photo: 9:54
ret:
6:32
